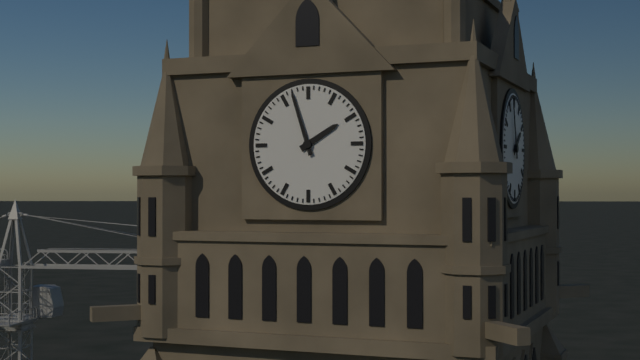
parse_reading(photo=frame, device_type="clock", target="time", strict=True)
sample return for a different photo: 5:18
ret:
1:57
